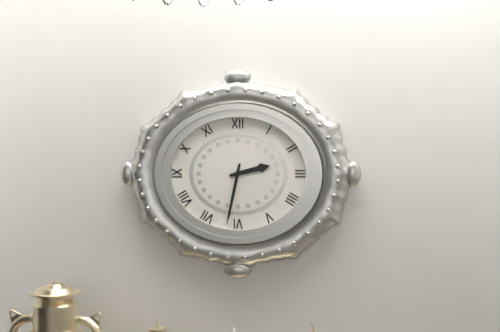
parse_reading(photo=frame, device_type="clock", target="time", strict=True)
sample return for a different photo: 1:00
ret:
2:32
